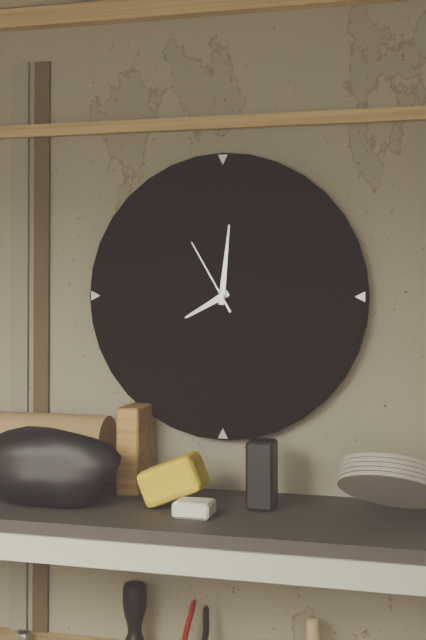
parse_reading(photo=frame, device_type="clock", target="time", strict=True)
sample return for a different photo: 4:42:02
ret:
8:01:55
